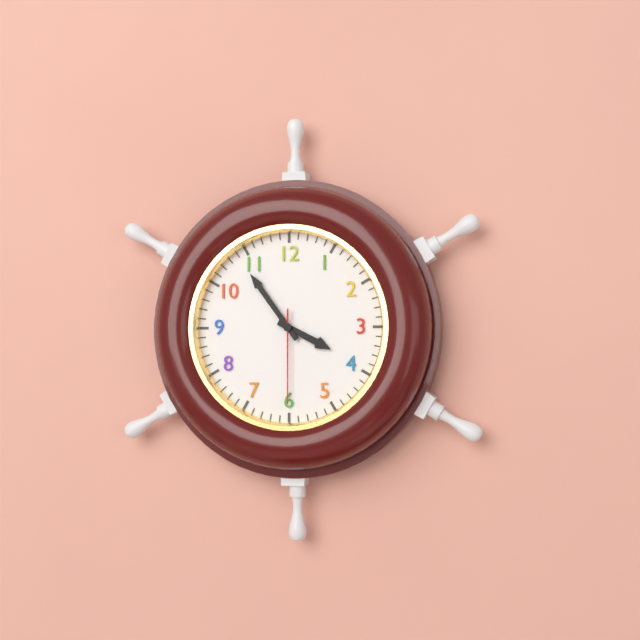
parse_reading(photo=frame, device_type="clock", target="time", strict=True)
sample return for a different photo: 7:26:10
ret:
3:54:30
